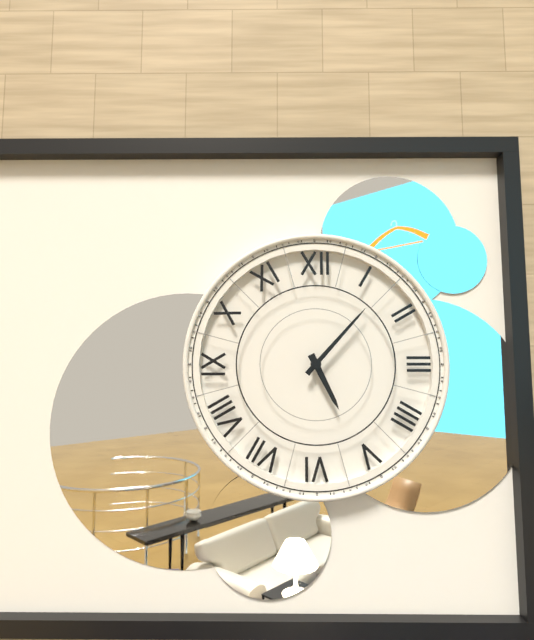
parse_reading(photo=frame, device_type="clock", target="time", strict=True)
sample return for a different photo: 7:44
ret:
5:07
